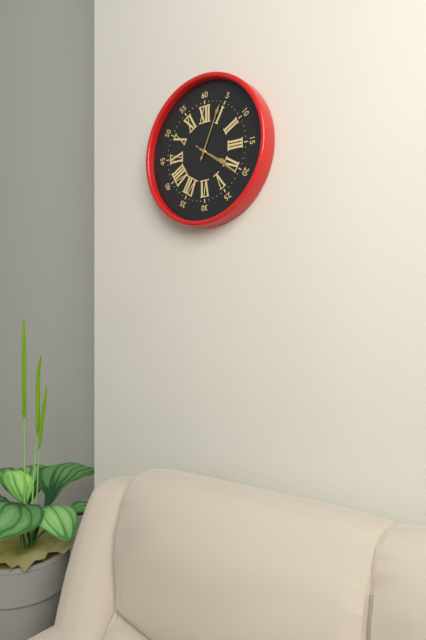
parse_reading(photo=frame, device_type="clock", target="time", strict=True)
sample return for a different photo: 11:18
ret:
4:04
